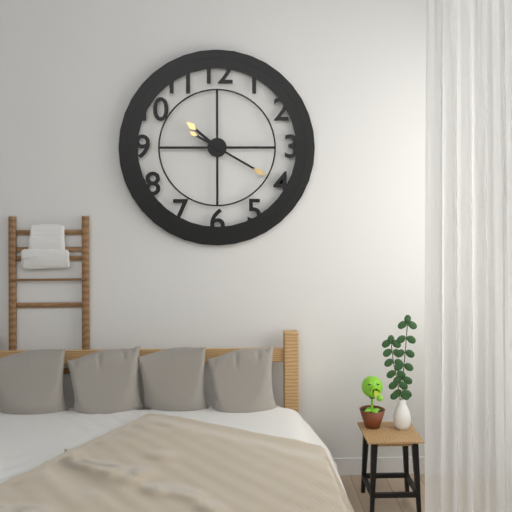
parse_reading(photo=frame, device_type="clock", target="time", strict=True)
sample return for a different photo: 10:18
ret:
10:20
